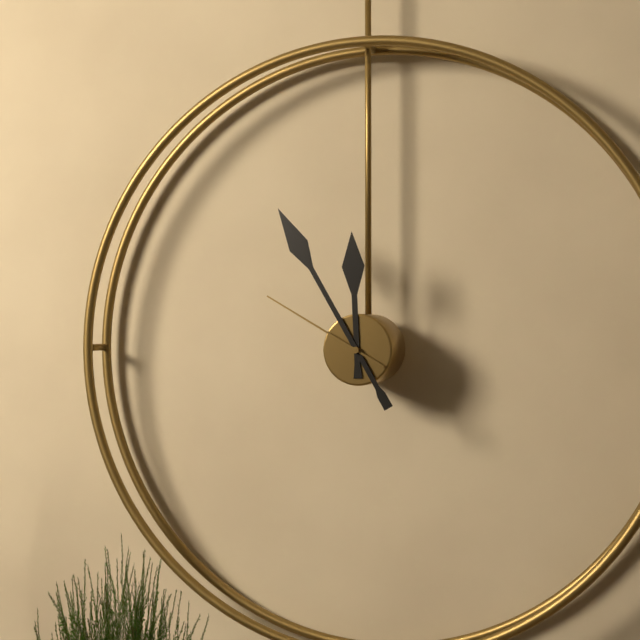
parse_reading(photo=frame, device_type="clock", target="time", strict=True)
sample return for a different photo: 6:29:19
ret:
11:55:50
